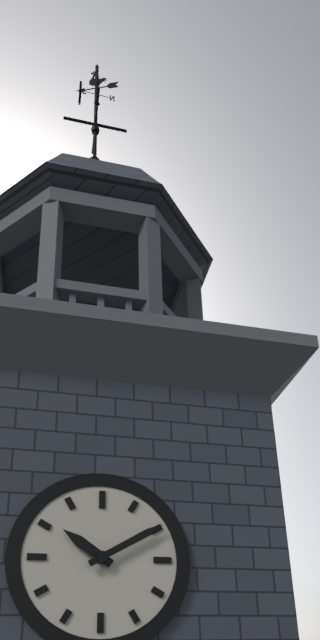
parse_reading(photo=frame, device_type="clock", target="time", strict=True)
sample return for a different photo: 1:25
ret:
10:10
